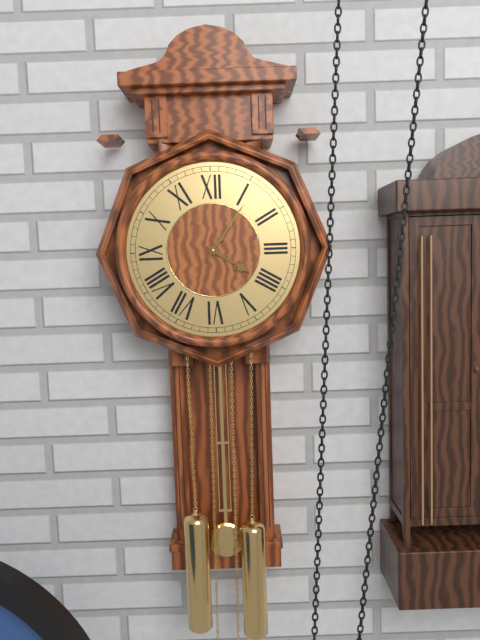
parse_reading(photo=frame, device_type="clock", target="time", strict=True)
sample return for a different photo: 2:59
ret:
4:06
